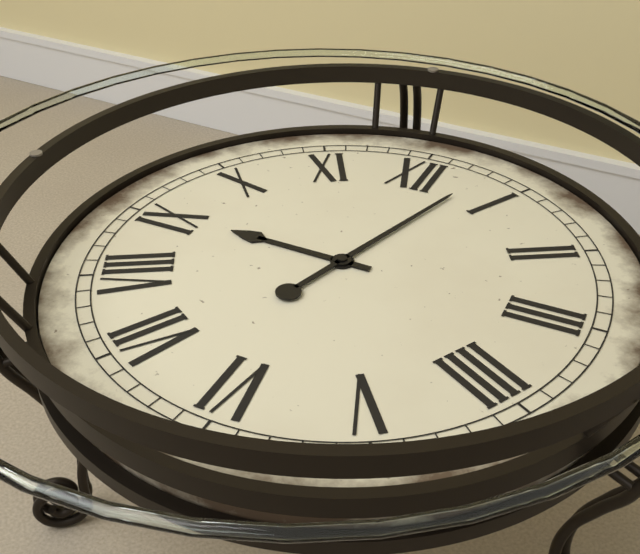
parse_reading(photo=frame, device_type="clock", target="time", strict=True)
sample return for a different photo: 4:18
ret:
9:03
